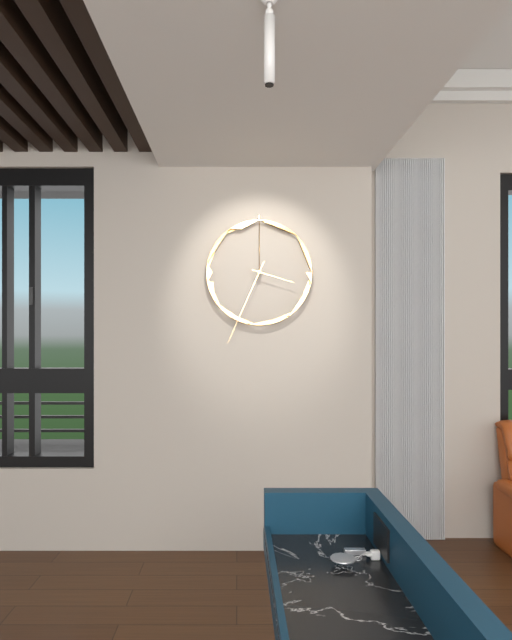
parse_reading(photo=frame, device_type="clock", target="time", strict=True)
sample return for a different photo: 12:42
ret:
3:34
